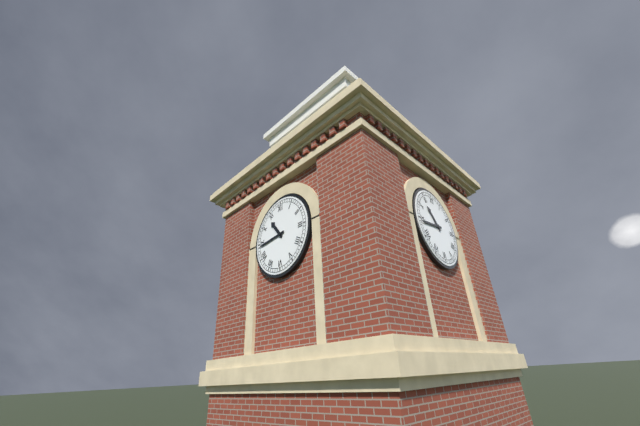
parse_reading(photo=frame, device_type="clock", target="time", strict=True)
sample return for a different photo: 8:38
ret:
10:44
